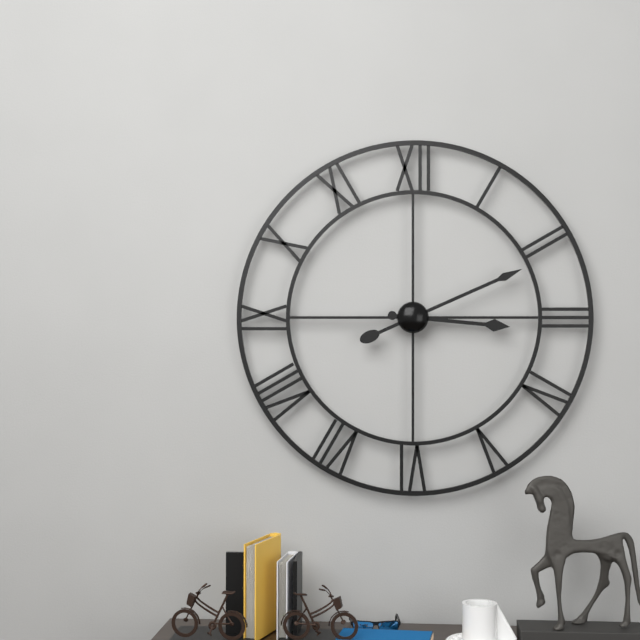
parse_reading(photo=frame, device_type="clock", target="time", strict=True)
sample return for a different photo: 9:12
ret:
3:11
